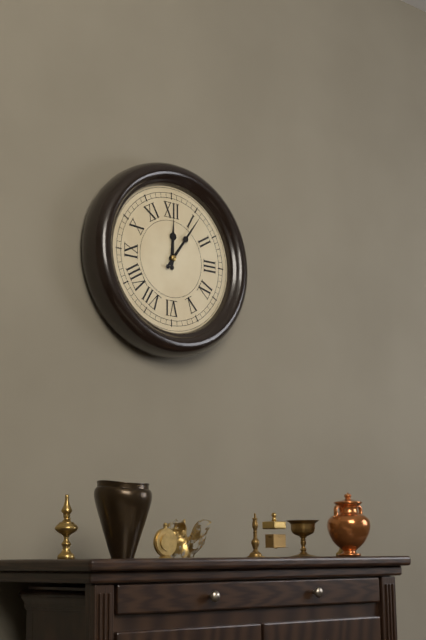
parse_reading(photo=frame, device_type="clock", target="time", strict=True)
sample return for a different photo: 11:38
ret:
12:06
